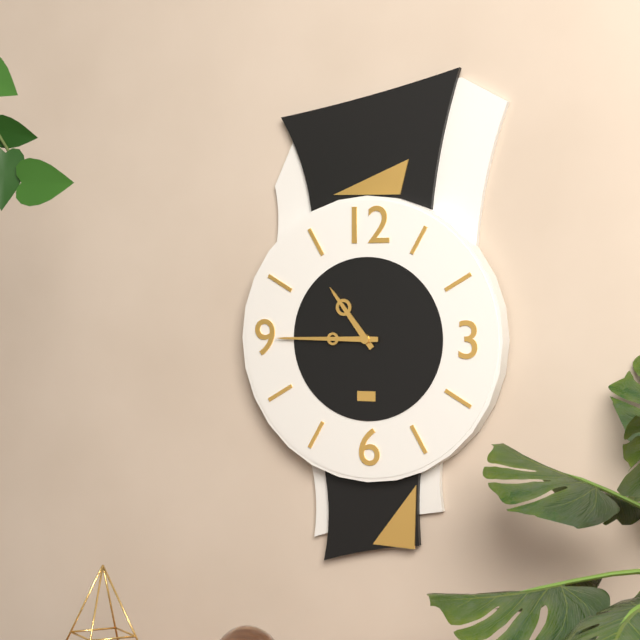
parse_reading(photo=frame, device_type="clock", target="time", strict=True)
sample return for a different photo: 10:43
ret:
10:45
